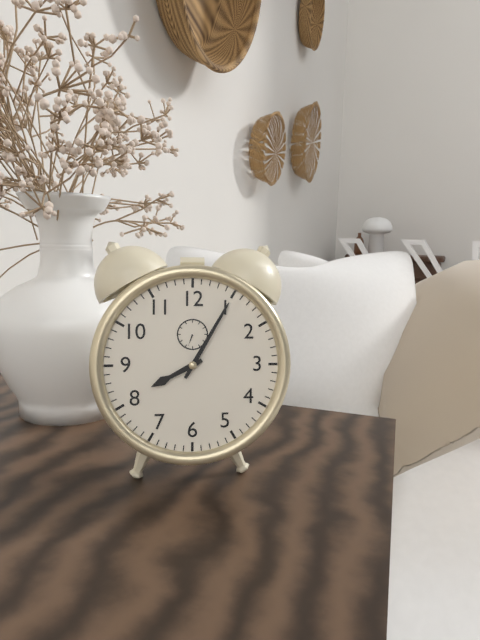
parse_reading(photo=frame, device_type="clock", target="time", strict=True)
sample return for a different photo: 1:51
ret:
8:05
